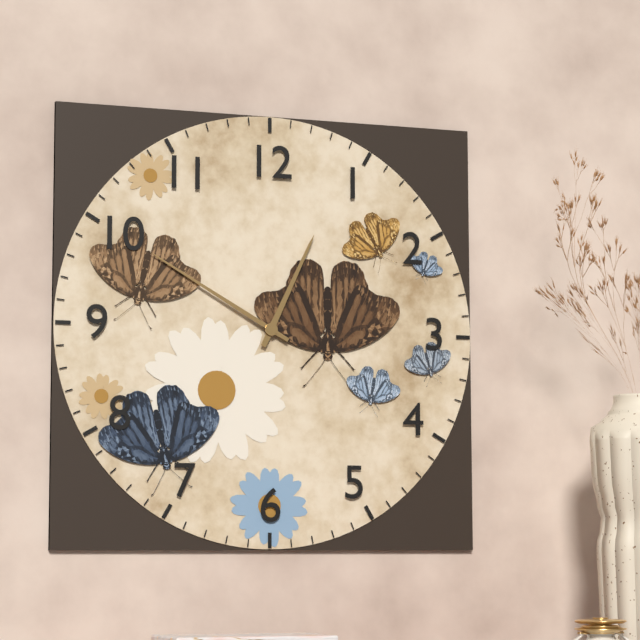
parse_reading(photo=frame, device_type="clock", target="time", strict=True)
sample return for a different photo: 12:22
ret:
12:50
